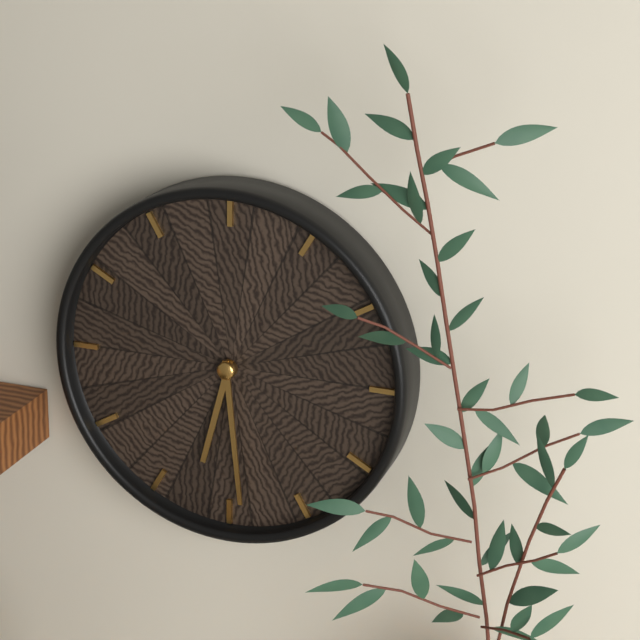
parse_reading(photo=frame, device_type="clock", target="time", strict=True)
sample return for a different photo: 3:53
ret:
6:29
